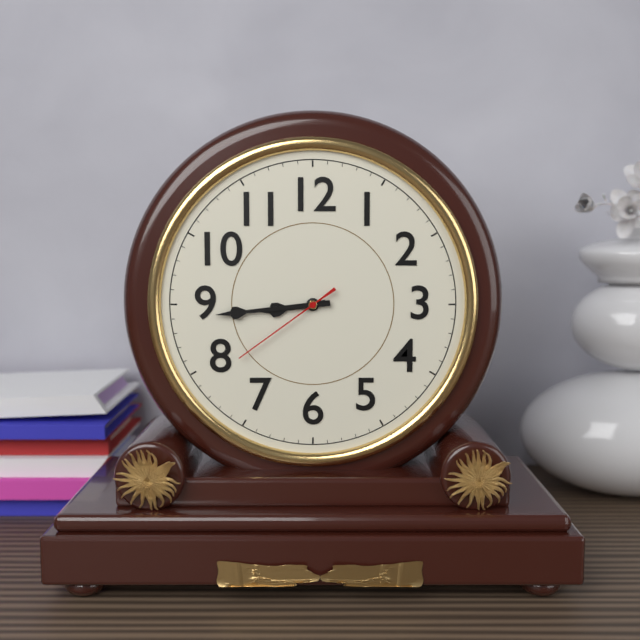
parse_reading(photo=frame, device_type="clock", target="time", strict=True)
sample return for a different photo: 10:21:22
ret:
8:44:39
